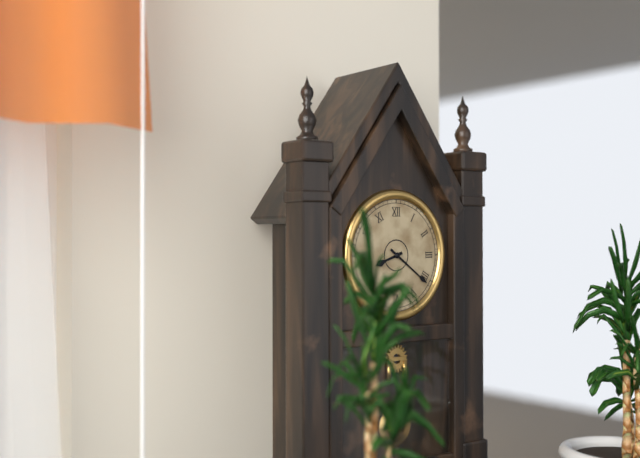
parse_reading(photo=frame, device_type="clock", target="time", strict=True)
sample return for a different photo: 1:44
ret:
8:21
